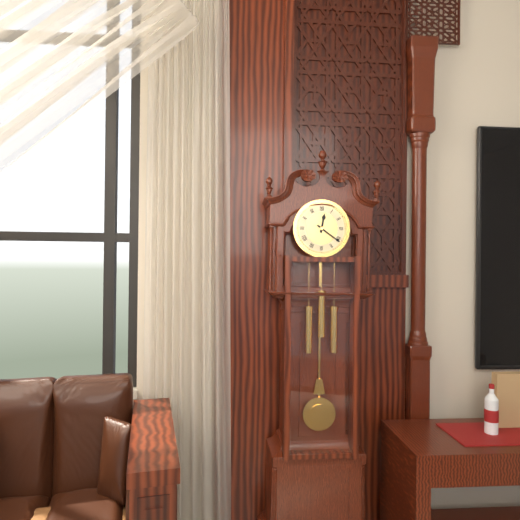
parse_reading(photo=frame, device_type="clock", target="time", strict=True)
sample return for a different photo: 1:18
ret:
12:21
